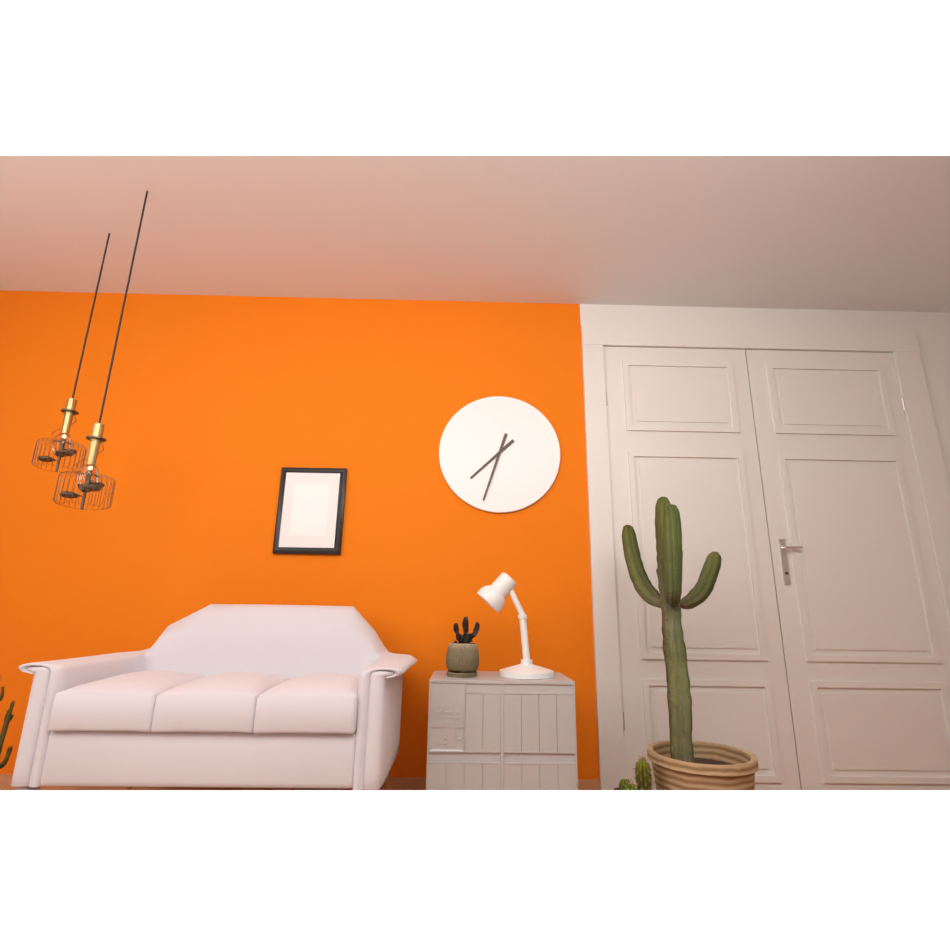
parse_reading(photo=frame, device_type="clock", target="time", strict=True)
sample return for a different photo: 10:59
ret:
7:33
